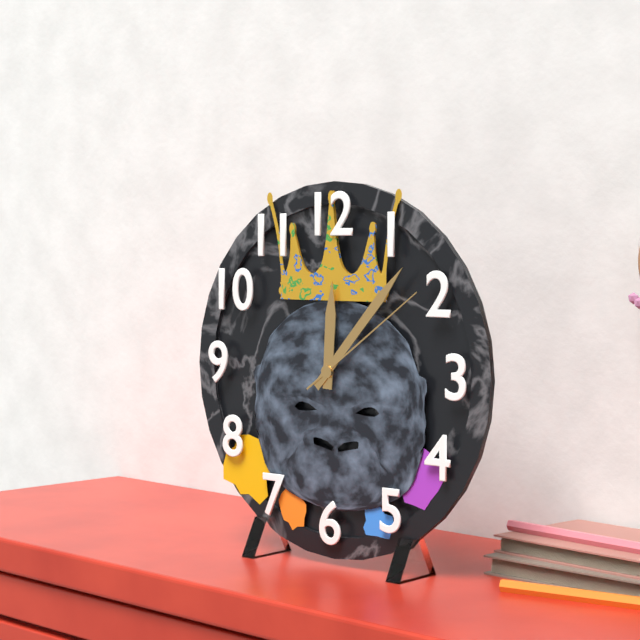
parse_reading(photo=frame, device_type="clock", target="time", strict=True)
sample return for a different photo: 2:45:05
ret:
12:07:09
